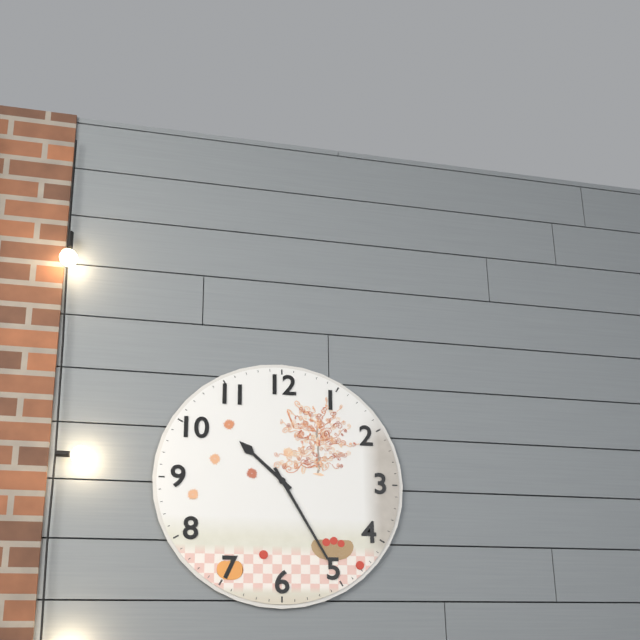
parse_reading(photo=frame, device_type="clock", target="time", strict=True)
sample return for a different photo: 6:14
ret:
10:25
